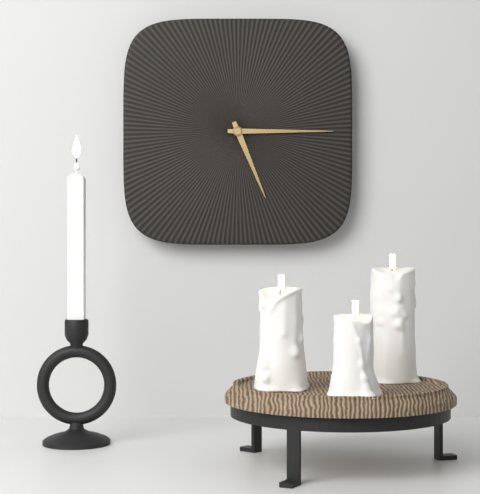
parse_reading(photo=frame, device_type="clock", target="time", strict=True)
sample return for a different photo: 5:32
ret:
5:15
